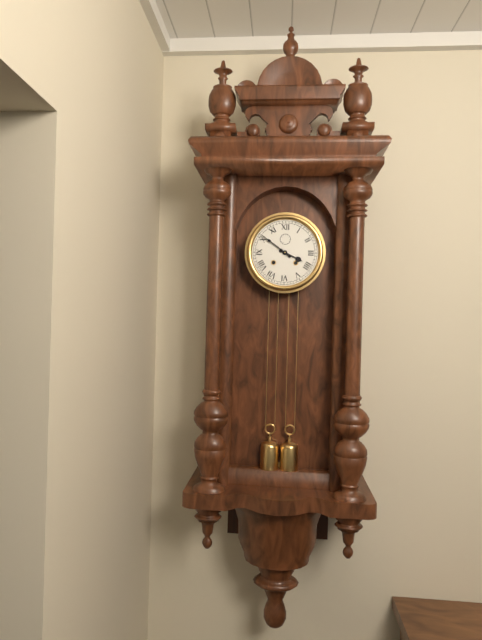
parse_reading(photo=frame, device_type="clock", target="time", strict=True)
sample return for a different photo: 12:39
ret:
3:51
